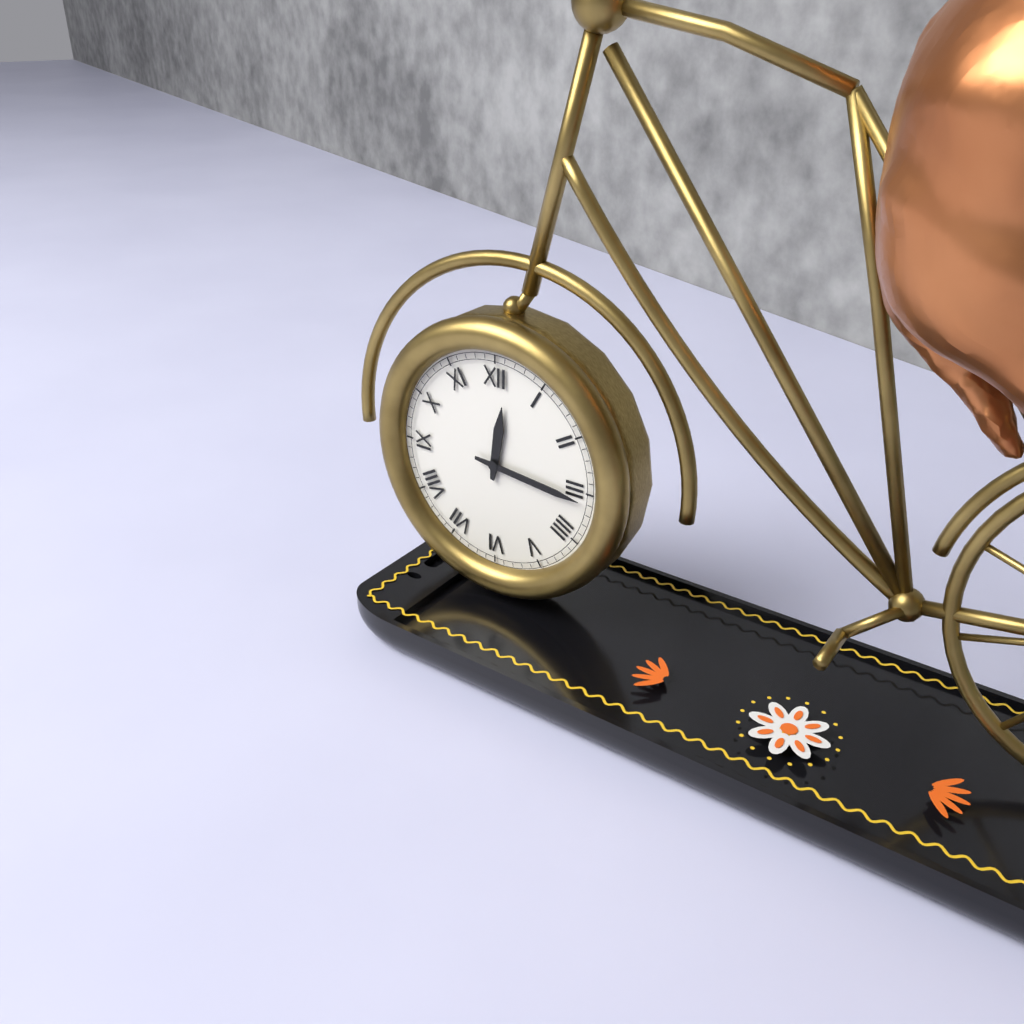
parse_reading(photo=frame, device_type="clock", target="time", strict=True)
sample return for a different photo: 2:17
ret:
12:16
